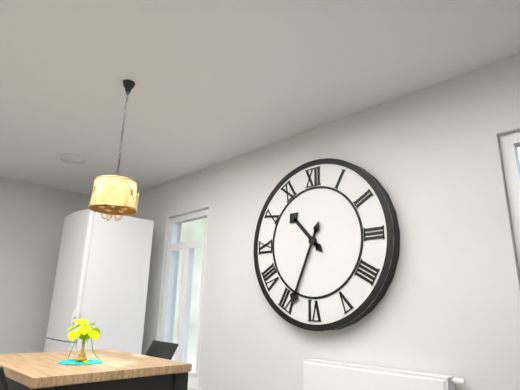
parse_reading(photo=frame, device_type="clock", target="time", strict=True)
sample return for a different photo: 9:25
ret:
10:34
